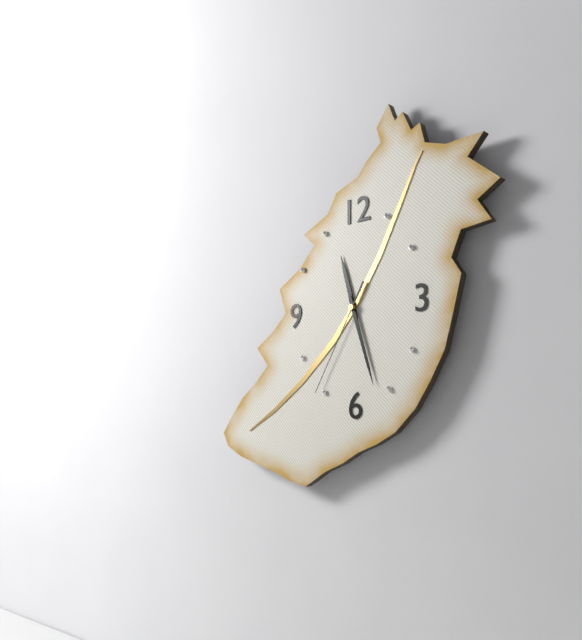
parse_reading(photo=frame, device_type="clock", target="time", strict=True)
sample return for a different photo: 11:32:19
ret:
11:27:35
